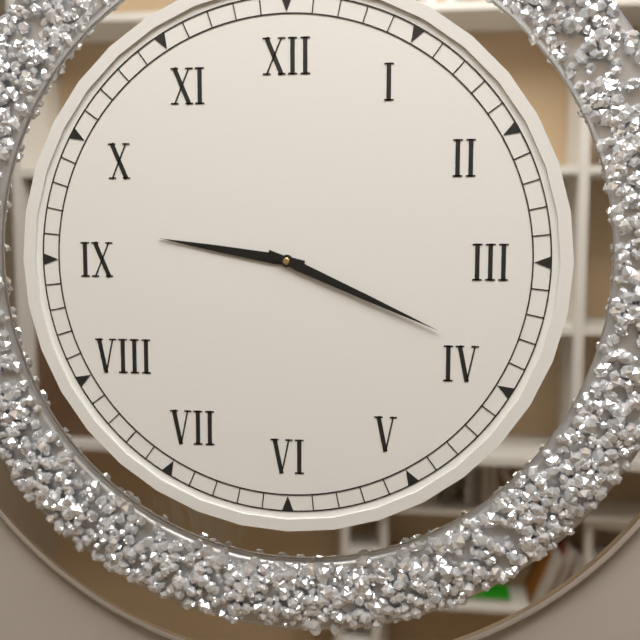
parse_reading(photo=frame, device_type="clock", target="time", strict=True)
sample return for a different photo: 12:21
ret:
9:19
